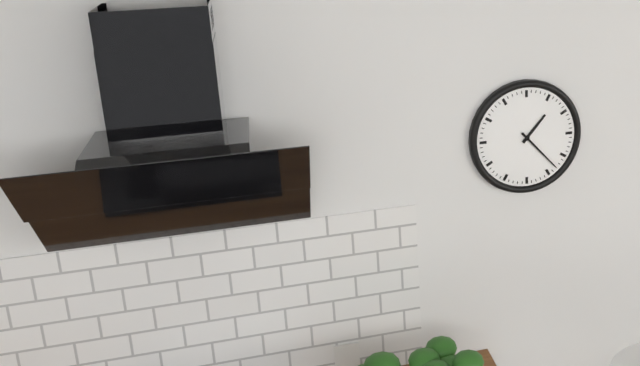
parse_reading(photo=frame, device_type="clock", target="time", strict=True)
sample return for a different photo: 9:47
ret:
1:23
